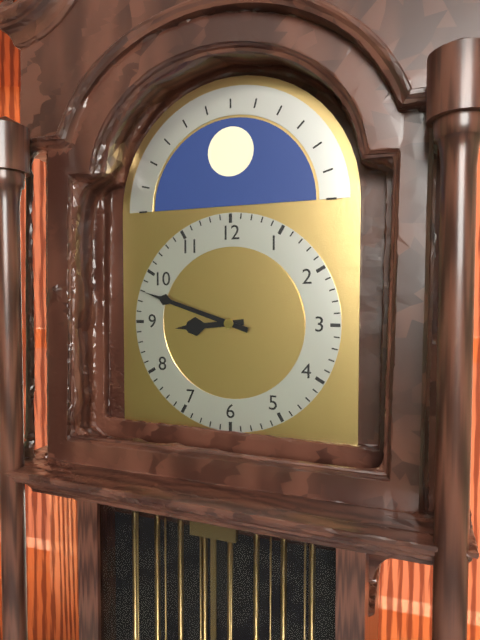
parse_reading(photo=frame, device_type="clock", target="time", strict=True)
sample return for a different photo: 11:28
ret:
8:48
